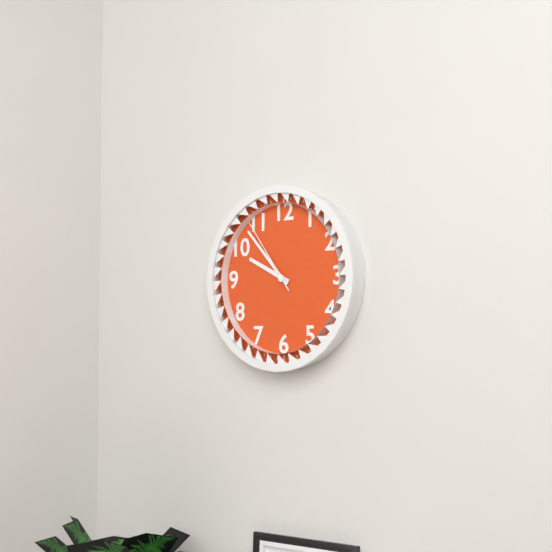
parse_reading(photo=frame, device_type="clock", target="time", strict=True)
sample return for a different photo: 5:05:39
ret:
9:53:54
